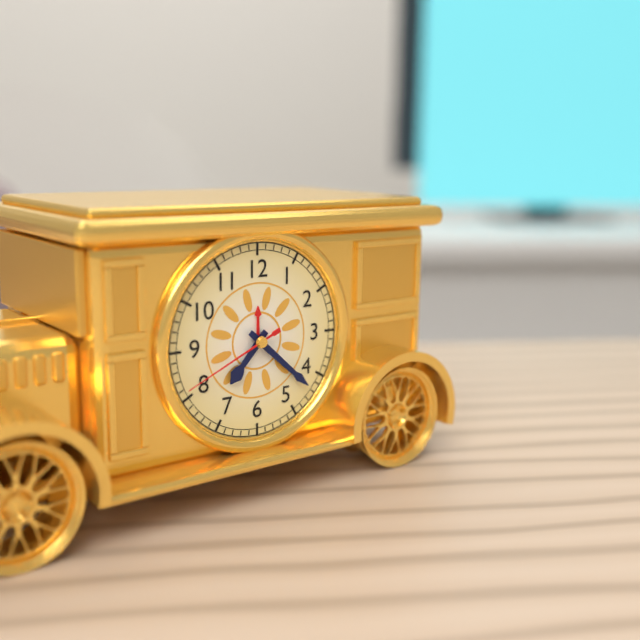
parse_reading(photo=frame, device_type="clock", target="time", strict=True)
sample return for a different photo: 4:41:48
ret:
7:22:41
